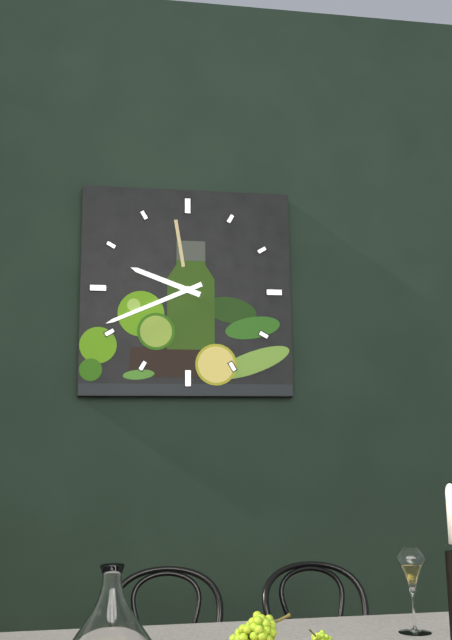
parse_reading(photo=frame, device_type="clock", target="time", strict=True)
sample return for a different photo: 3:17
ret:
9:41
